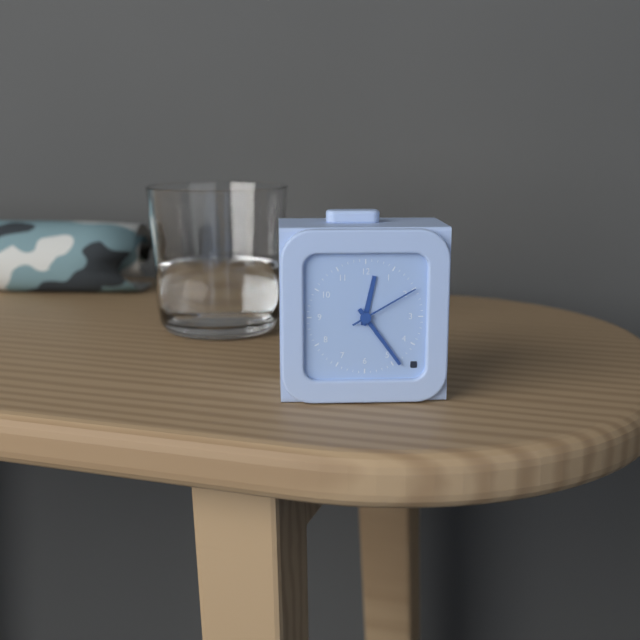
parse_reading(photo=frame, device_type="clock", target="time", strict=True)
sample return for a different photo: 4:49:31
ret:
12:24:10
